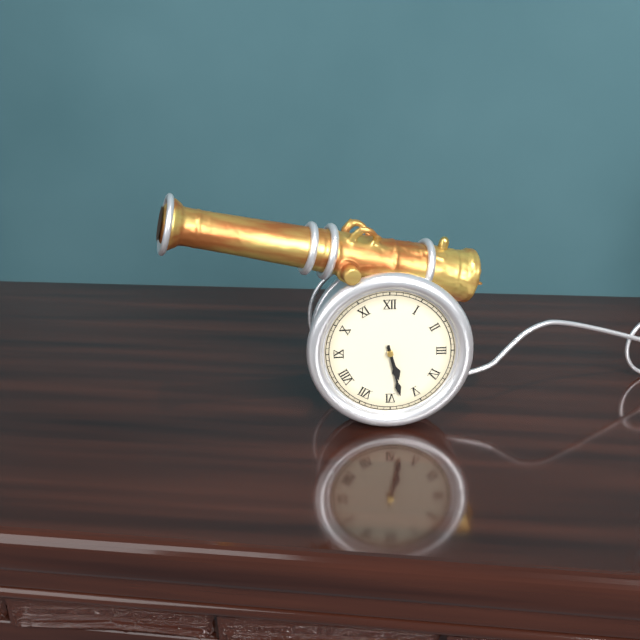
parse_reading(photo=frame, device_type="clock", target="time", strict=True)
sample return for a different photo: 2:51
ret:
5:28
